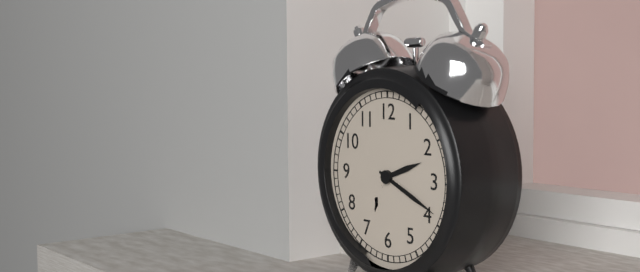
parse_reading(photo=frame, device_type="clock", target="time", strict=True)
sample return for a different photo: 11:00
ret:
2:19
